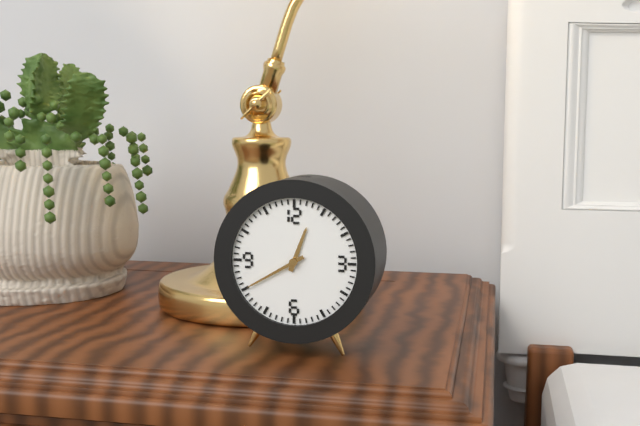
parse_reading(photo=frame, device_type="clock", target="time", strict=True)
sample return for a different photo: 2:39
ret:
12:40
